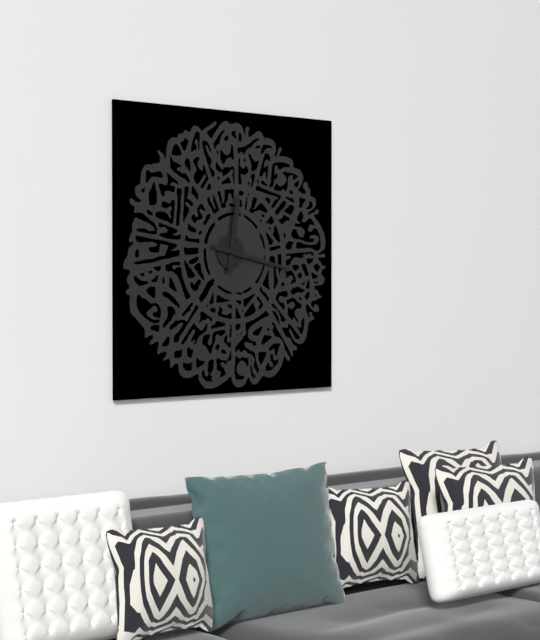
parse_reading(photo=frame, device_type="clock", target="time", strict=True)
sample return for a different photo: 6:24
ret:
12:17
